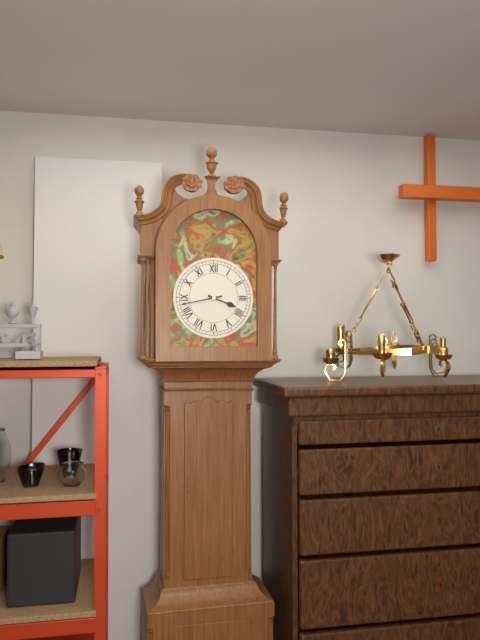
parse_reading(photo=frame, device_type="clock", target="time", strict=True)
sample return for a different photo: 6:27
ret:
3:43
